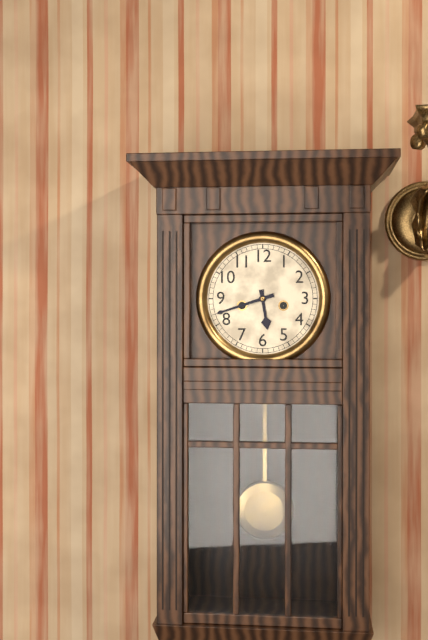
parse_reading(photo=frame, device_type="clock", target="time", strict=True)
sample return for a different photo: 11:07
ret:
5:42
